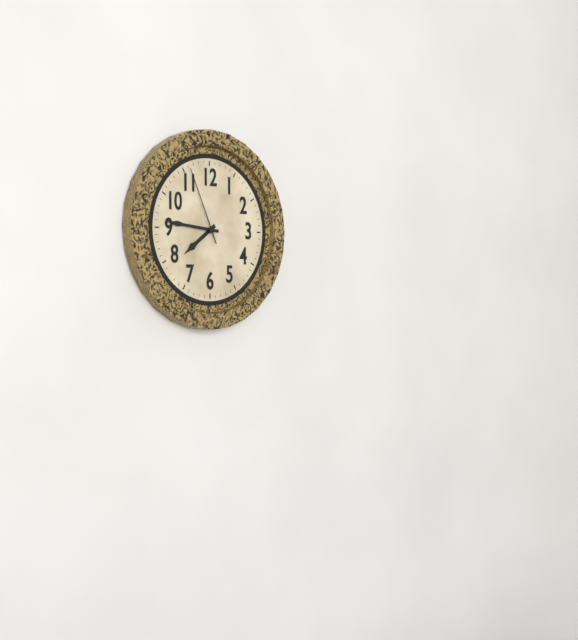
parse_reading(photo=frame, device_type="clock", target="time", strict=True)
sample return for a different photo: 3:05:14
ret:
7:46:56
